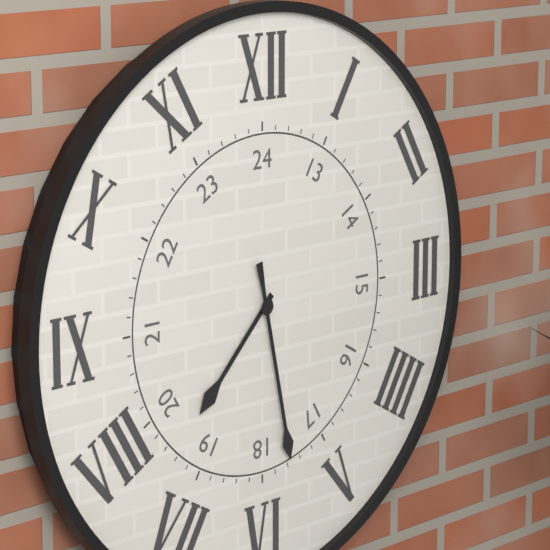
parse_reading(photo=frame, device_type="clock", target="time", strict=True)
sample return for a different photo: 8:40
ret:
7:28
